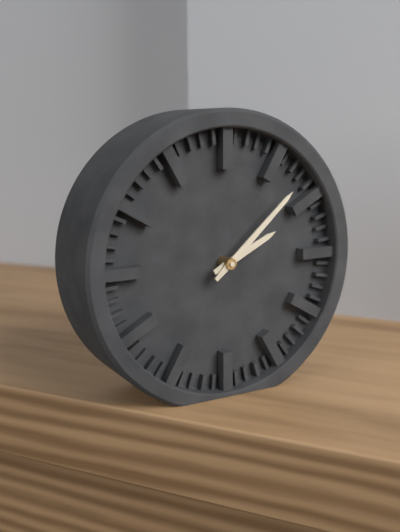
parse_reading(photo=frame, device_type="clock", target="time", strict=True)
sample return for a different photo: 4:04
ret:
2:08
